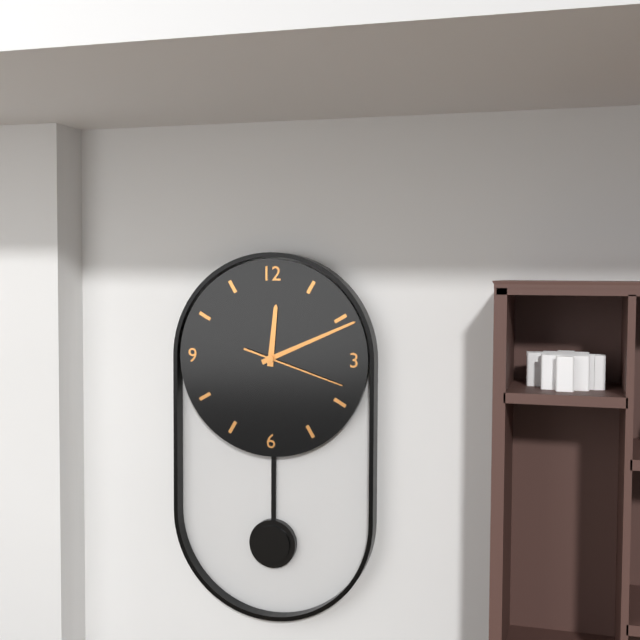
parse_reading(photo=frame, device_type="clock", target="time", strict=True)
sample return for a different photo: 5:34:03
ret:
12:11:18
